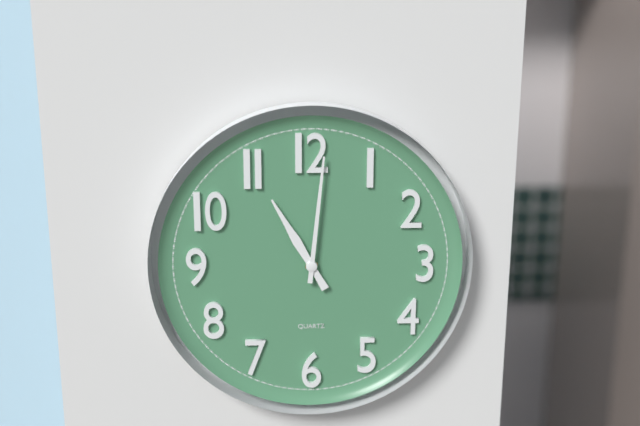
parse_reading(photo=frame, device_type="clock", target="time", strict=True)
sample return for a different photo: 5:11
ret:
11:01
